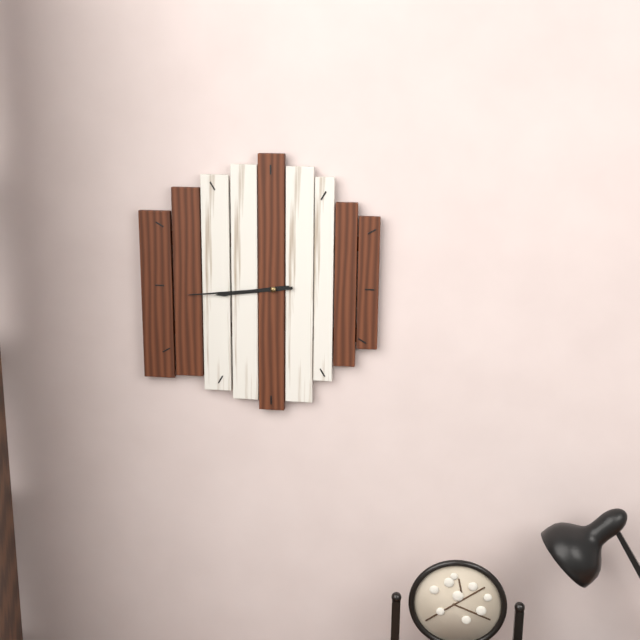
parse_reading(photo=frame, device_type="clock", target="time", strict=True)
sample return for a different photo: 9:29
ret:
8:44
